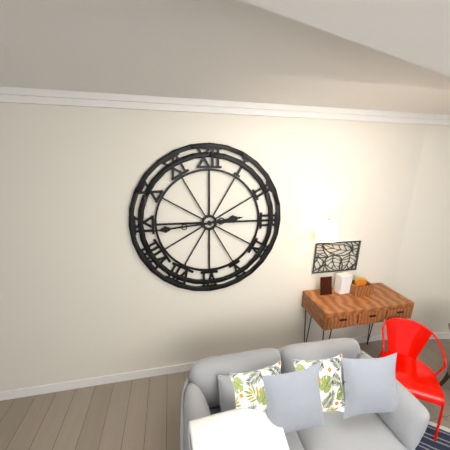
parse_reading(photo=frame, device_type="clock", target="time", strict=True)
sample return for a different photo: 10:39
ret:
2:44
